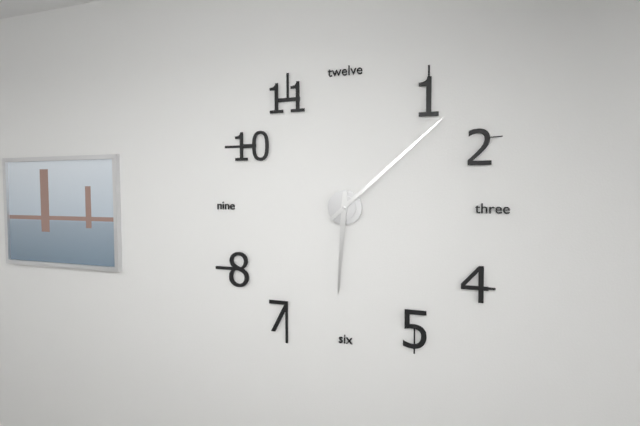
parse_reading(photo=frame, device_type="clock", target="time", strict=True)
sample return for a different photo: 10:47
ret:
6:08
